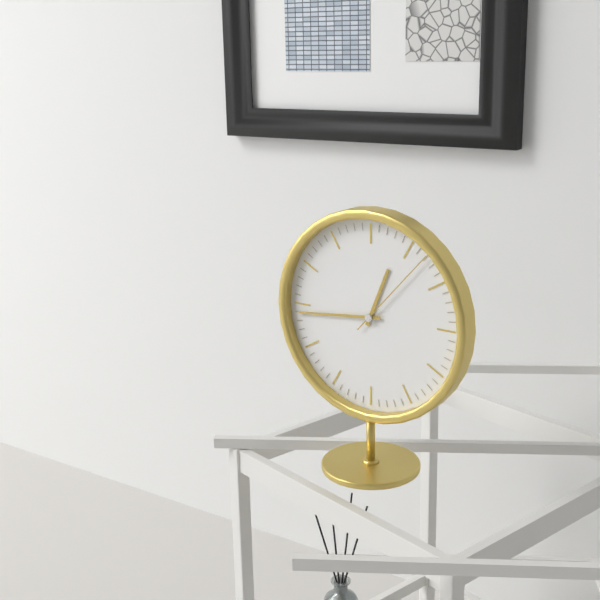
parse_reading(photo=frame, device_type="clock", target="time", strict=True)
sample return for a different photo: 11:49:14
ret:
12:44:07
